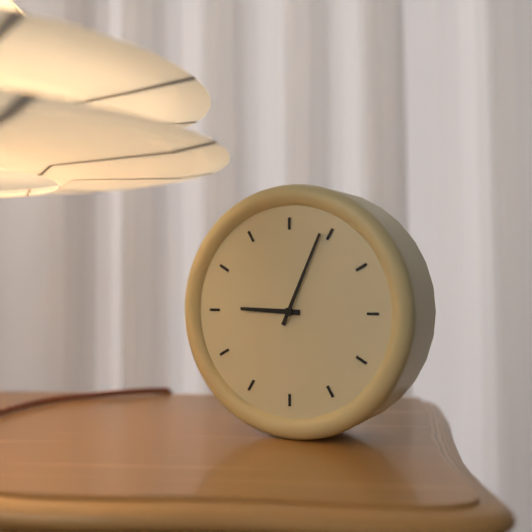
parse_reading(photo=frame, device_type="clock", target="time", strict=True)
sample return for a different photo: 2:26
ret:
9:04
